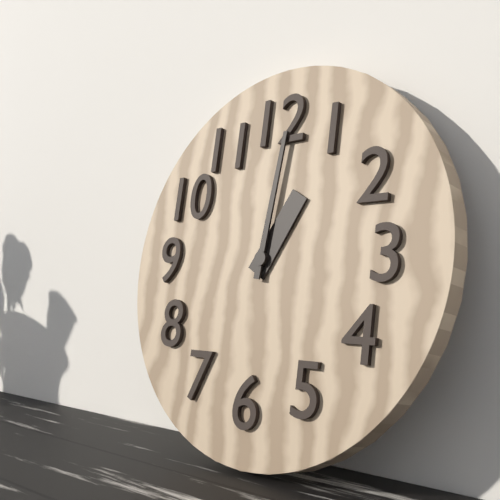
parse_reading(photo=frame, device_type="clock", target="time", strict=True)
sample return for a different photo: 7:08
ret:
1:01
